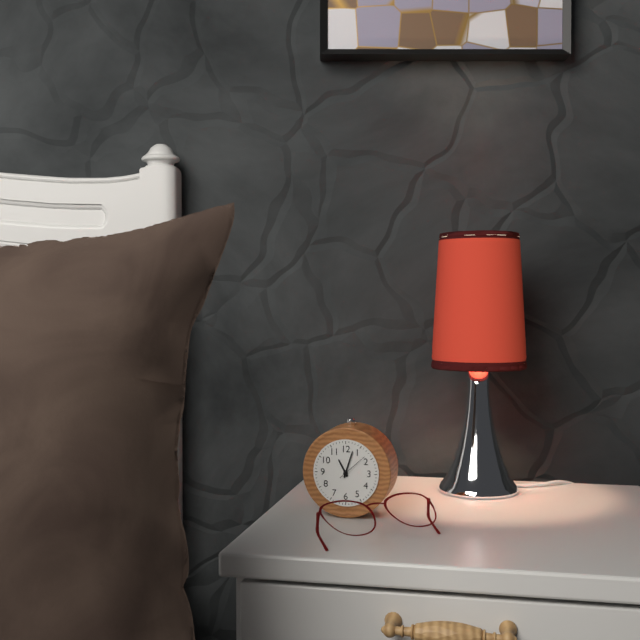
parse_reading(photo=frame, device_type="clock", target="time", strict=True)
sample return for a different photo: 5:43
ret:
11:03
